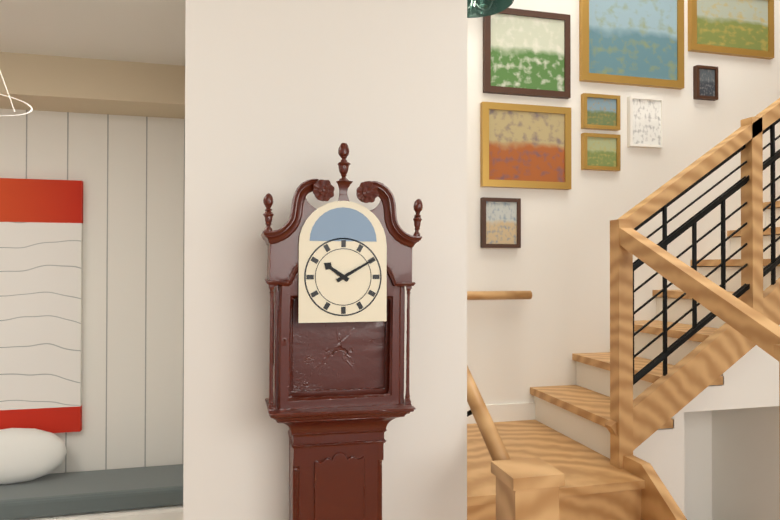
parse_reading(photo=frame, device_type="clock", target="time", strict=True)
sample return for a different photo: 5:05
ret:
10:10
